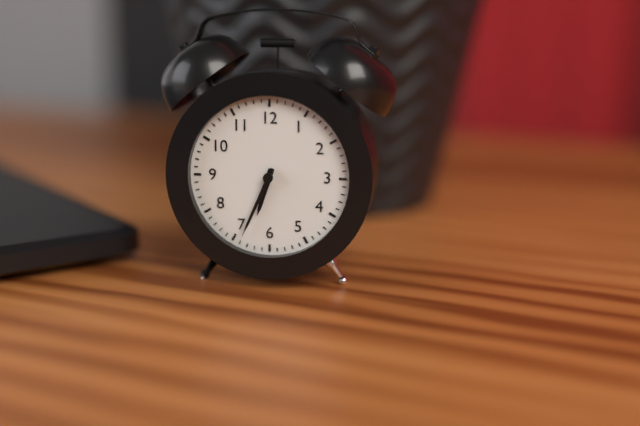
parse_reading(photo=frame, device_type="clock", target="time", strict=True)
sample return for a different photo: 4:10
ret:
6:34
